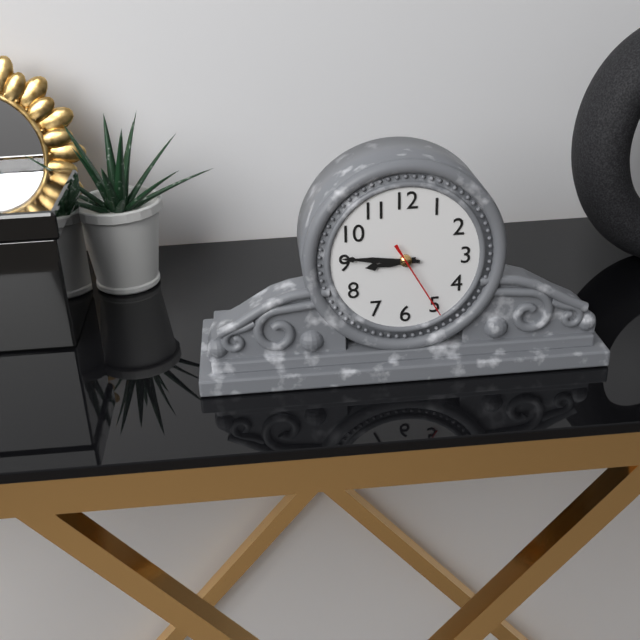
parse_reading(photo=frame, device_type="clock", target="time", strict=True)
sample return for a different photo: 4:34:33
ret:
8:46:25
